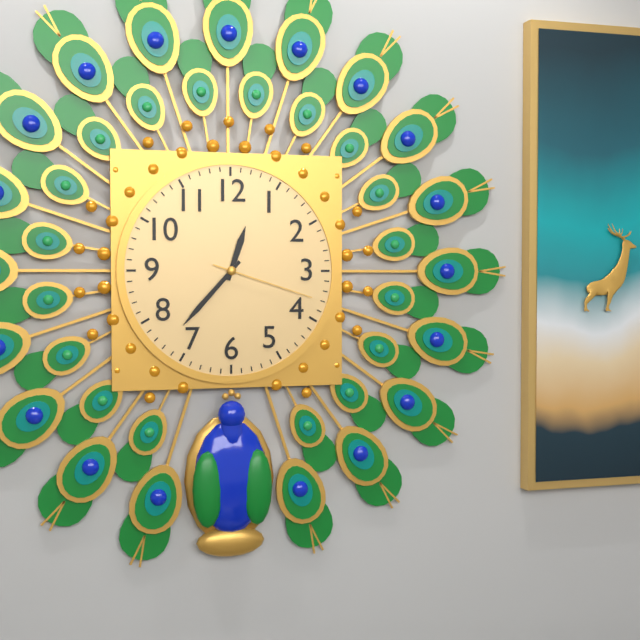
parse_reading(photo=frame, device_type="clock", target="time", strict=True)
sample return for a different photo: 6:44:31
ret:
12:37:18
